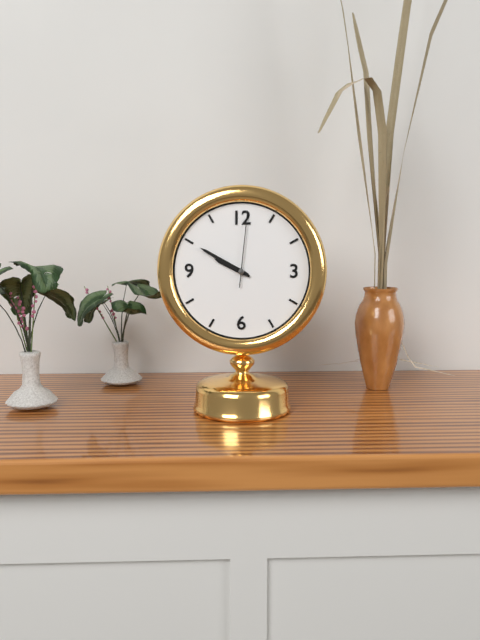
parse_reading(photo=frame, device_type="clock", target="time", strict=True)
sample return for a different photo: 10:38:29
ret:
9:50:01
